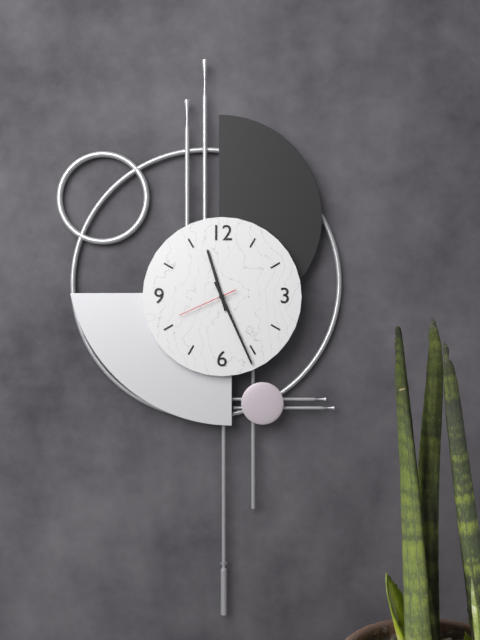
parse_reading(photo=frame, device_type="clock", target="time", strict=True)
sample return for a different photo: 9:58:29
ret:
11:26:41
